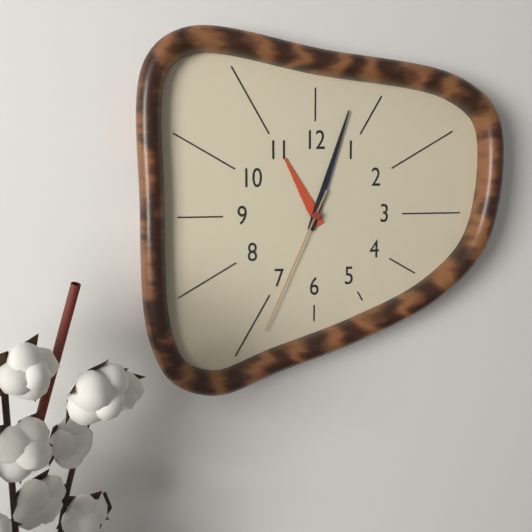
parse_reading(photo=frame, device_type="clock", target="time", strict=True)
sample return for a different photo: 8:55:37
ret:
11:03:34
